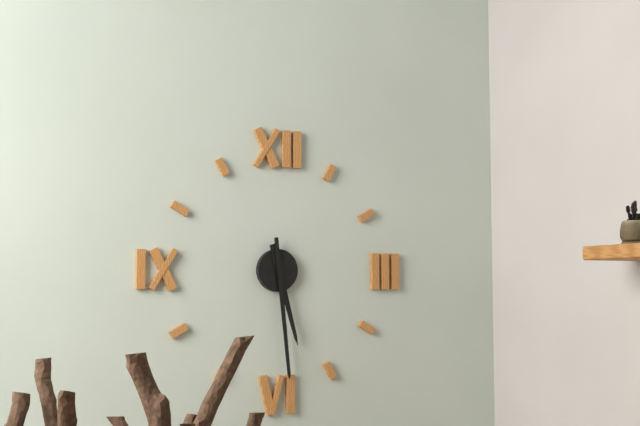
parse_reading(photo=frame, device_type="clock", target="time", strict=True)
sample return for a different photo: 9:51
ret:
5:29
